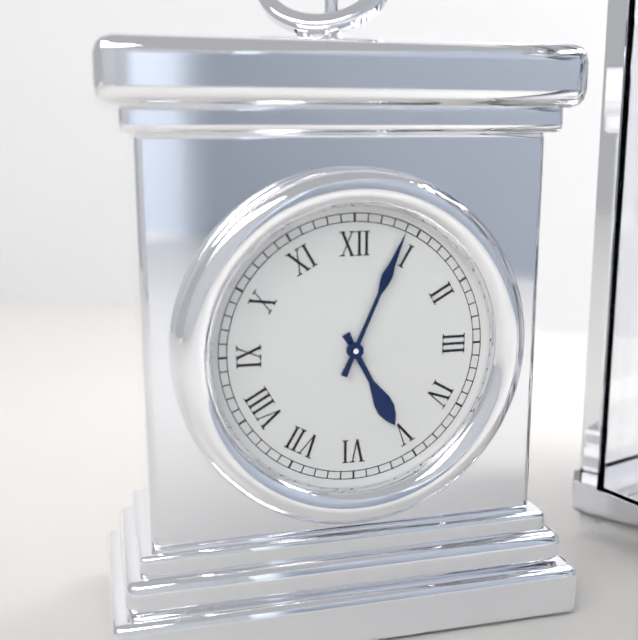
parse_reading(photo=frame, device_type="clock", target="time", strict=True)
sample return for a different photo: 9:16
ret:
5:04
